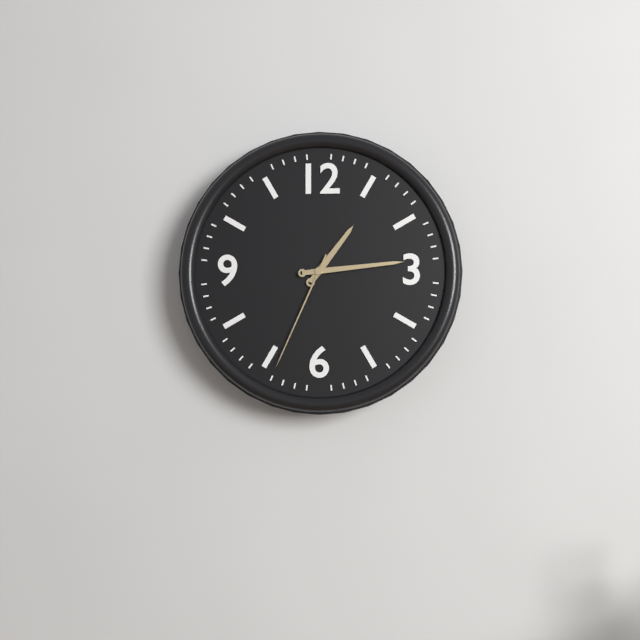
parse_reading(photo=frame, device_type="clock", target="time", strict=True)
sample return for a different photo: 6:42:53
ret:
1:14:34
